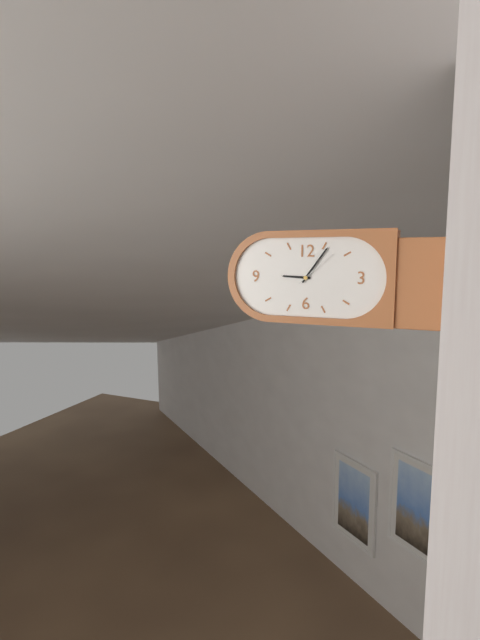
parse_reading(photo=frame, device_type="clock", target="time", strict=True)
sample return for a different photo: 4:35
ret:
9:06
